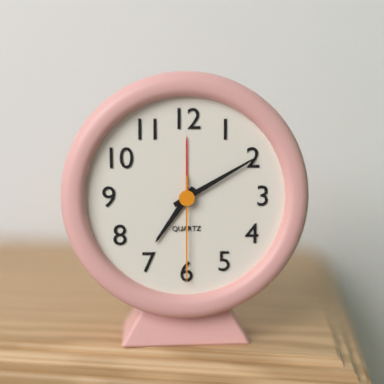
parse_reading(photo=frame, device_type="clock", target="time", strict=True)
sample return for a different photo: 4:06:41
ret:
7:10:30
